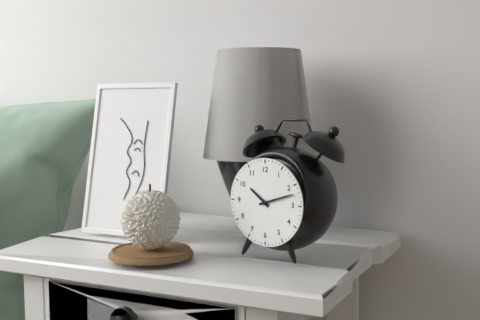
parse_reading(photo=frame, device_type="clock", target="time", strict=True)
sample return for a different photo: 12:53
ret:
10:12
